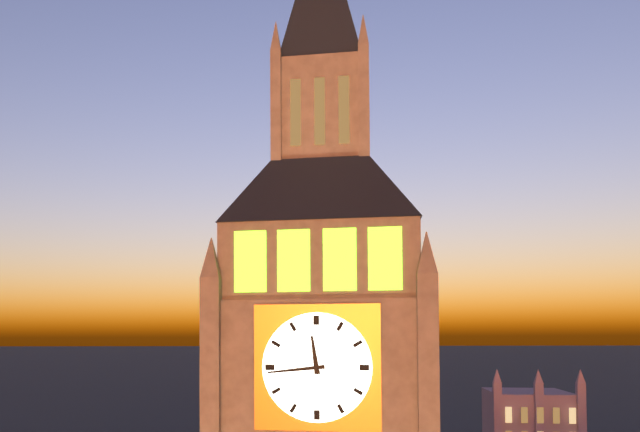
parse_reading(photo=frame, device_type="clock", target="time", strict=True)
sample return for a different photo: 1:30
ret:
11:44
